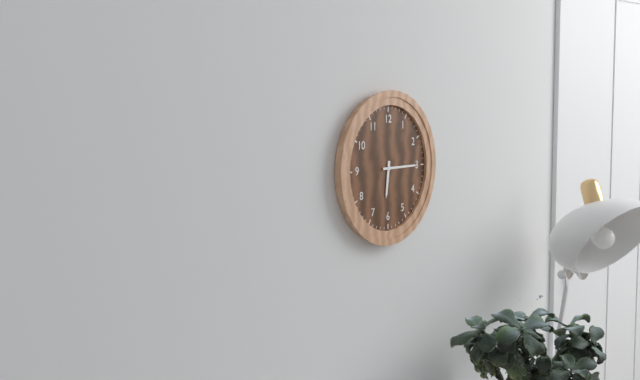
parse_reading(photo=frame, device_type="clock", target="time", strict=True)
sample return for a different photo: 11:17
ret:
6:15
